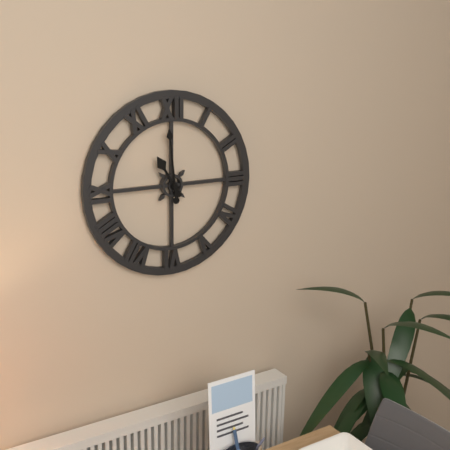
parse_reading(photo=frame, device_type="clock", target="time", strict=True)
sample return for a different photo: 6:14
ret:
10:59
